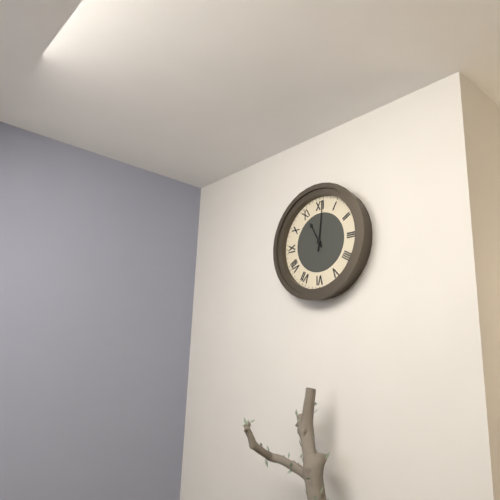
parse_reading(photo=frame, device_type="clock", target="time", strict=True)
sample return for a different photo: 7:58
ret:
11:01
